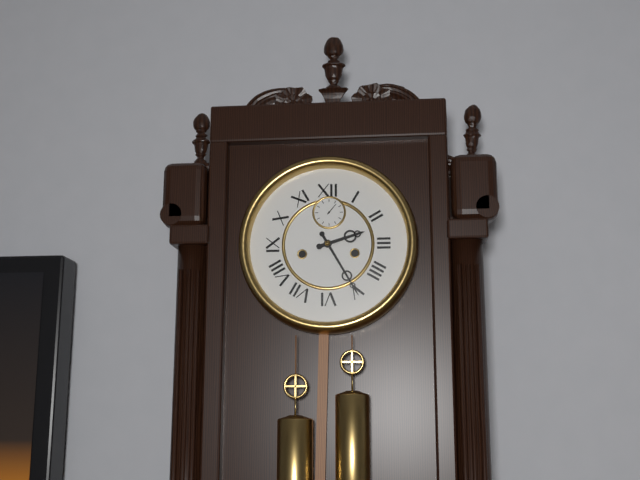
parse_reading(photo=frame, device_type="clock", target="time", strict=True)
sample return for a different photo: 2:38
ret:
2:25
